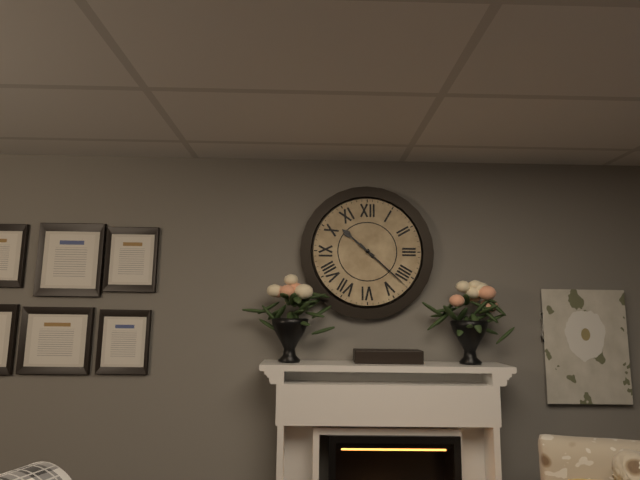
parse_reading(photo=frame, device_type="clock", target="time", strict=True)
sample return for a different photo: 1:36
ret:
10:22
